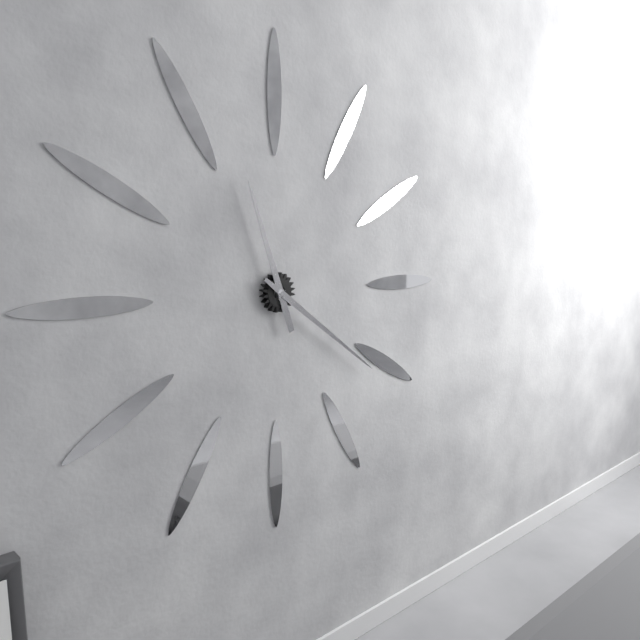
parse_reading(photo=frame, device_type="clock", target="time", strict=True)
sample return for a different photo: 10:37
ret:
11:21
